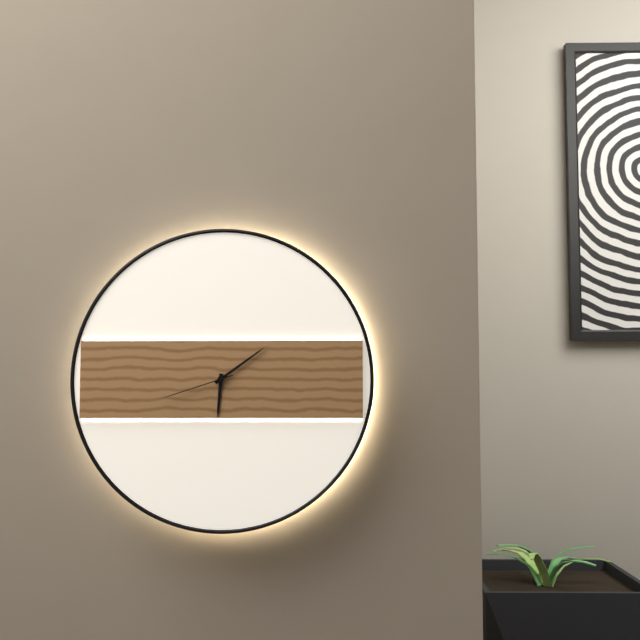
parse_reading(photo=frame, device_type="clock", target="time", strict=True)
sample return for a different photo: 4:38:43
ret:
6:09:42
